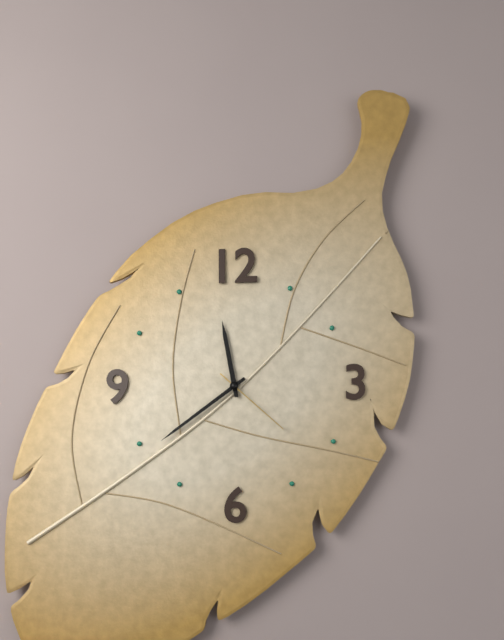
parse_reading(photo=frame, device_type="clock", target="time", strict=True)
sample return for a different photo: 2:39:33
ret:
11:39:22
